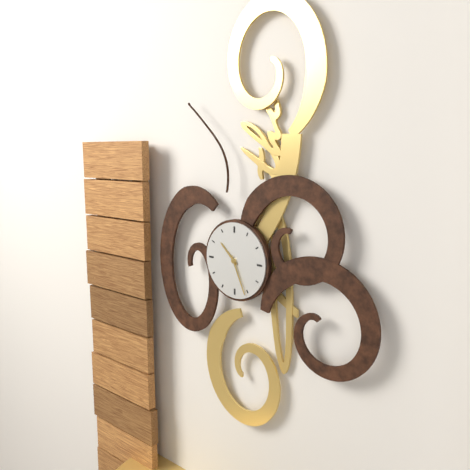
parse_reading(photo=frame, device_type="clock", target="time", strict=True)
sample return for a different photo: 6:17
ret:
10:26
